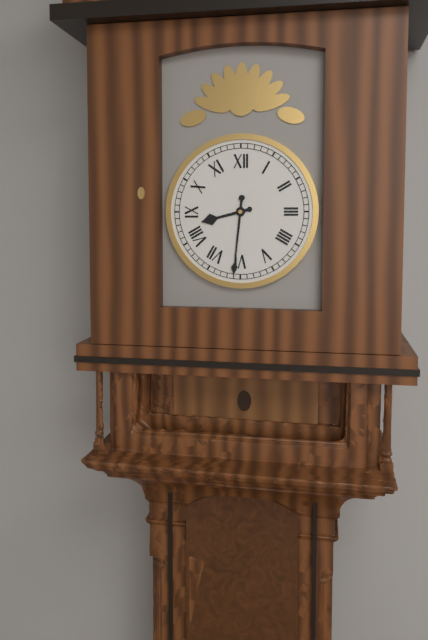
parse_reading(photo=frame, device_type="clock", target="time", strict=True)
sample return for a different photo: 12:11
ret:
8:31
